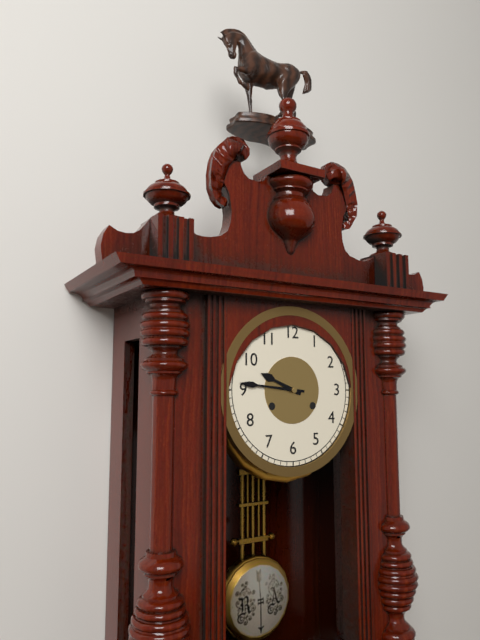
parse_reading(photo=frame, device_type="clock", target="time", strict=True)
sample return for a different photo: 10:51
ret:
9:46
